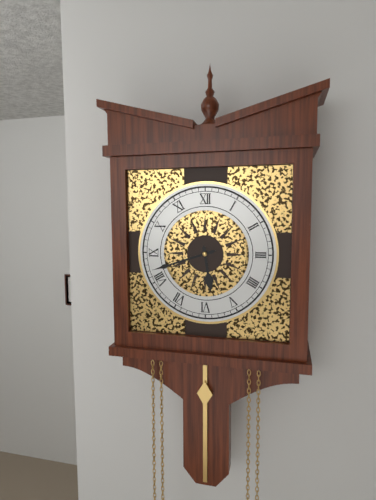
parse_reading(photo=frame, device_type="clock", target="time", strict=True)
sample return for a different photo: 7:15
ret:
5:42
